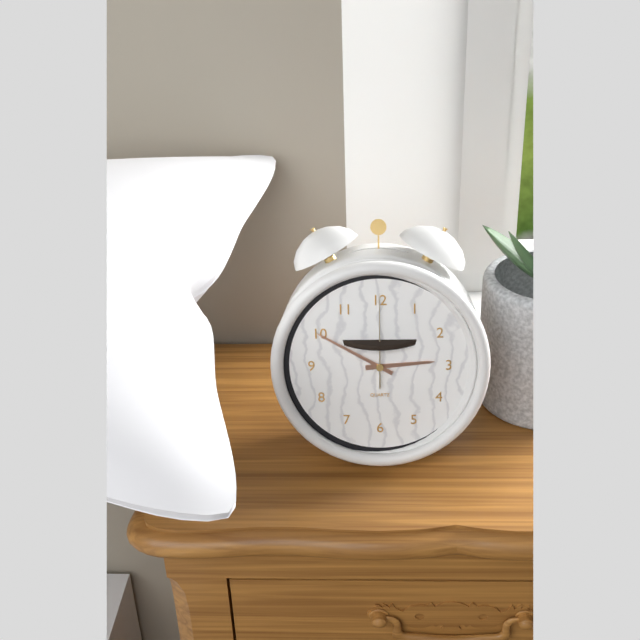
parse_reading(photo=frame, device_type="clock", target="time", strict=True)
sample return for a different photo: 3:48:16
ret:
2:50:00
